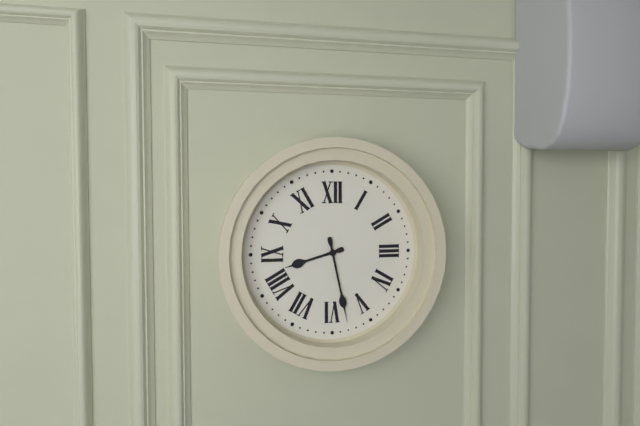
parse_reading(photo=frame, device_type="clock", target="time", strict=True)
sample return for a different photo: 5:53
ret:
8:28
